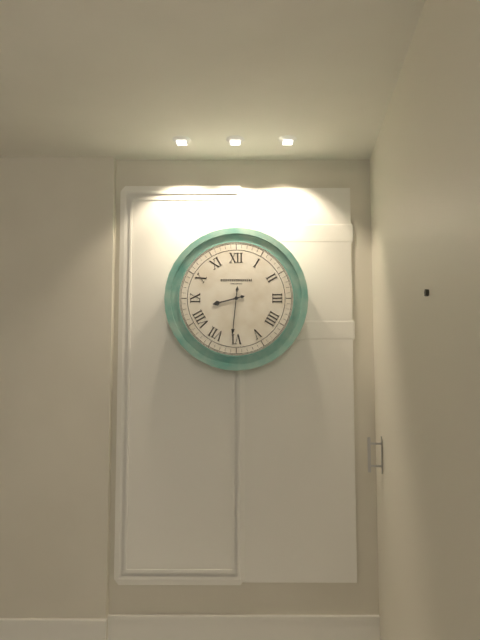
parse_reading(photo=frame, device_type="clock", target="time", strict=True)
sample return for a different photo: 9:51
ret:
8:31
